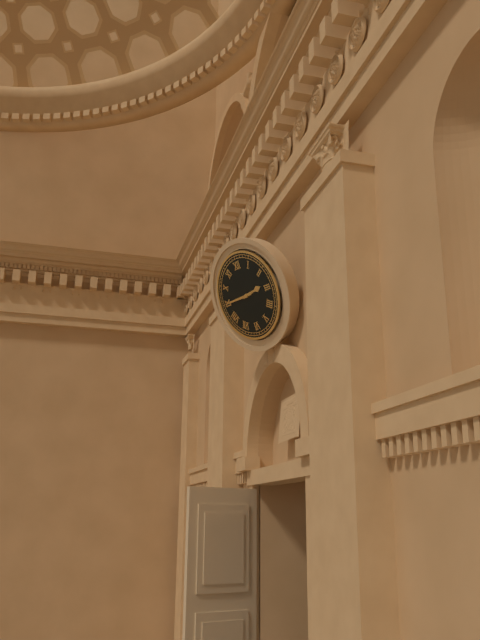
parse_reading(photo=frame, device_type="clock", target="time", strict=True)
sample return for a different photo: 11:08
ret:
2:45
